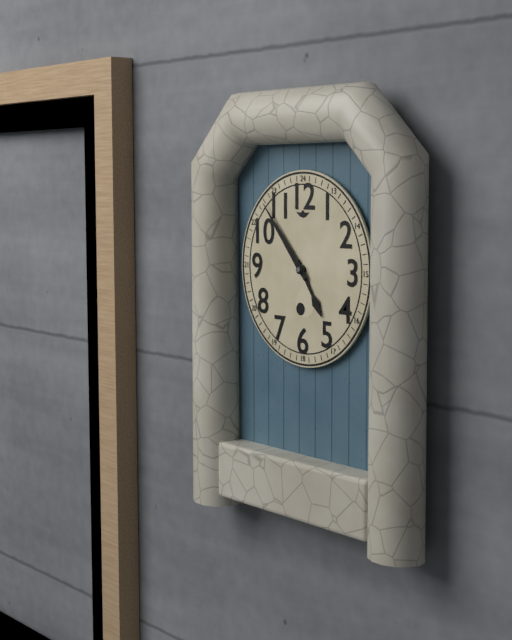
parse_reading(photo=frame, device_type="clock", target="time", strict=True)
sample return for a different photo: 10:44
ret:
4:53
